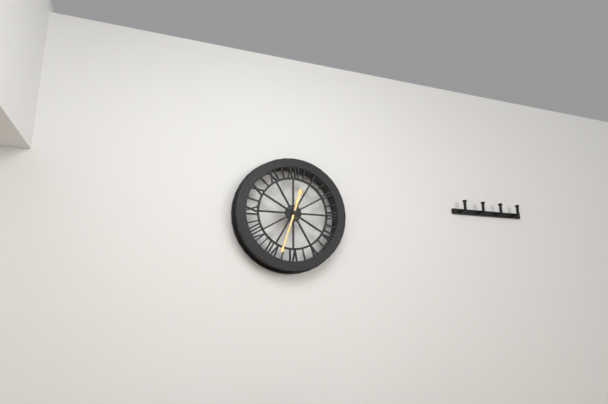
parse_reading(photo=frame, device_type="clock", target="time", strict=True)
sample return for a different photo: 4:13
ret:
12:33
